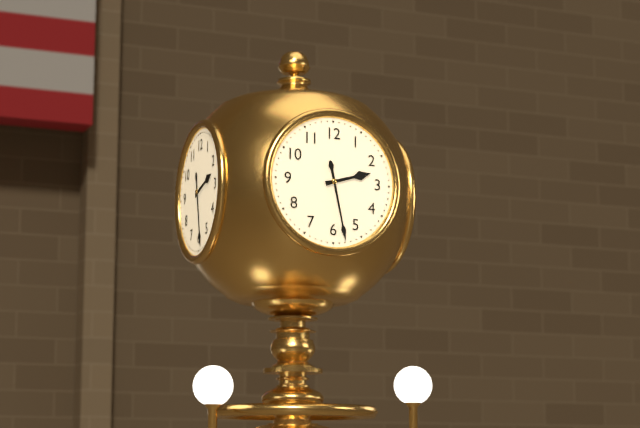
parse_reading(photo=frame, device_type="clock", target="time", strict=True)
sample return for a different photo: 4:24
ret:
2:28
